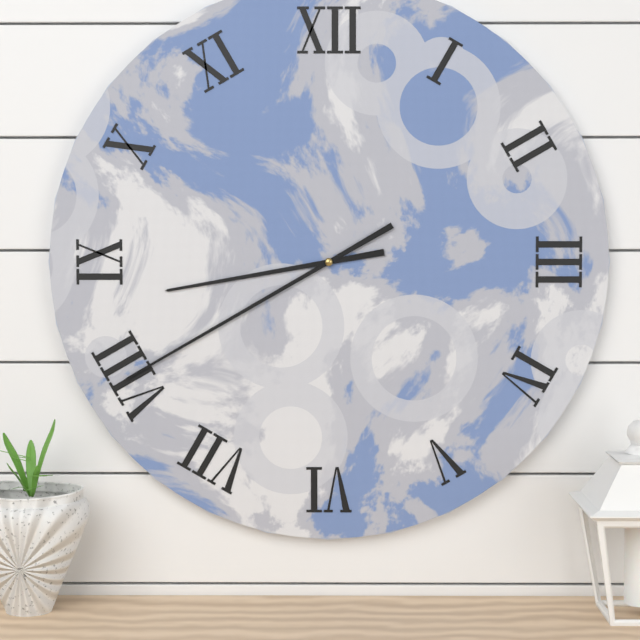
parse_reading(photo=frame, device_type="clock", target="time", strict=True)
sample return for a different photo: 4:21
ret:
8:40
